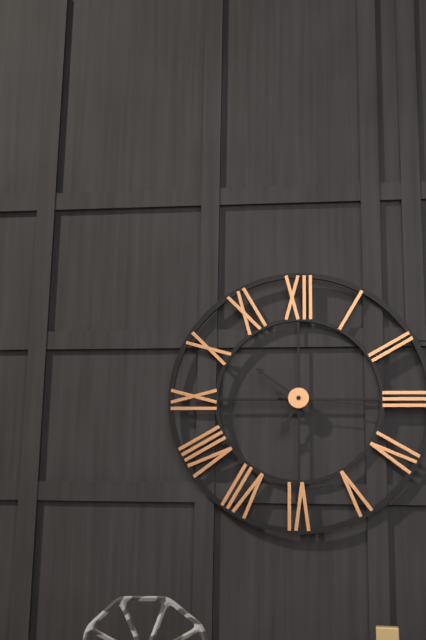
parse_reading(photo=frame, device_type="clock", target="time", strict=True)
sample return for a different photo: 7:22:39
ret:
6:51:16
